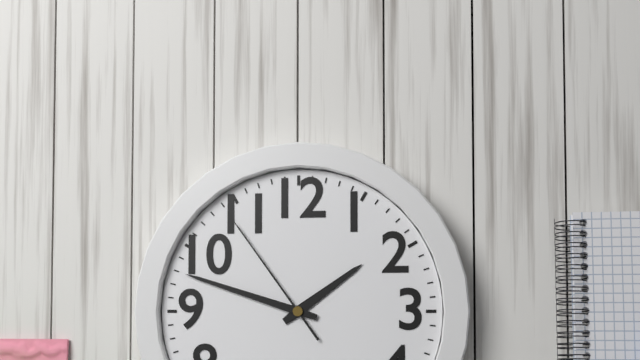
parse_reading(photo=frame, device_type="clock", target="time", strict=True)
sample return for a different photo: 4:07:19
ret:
1:48:54
